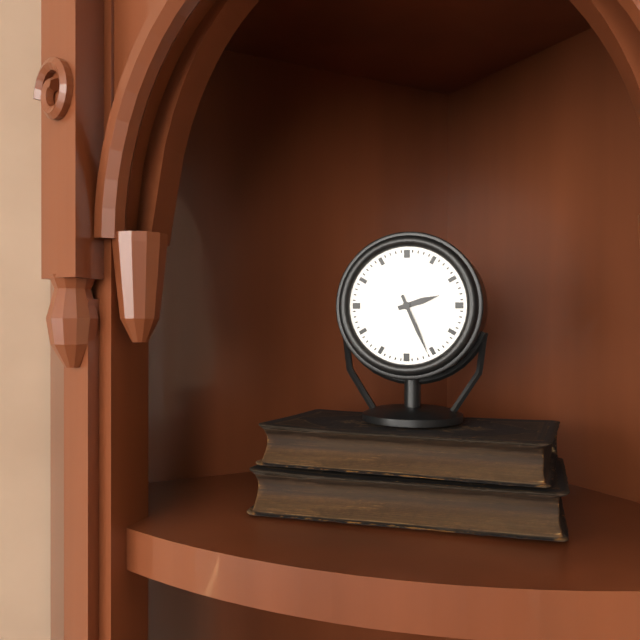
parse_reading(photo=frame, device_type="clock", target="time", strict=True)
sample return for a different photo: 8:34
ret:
2:26
